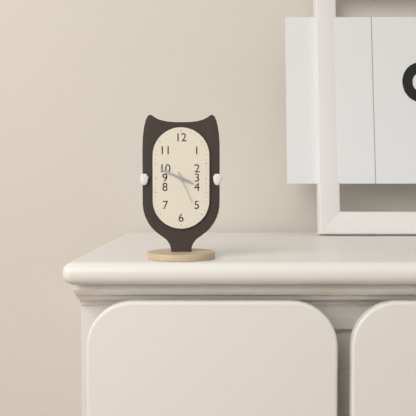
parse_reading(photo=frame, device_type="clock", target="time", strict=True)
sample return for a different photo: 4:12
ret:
3:49
